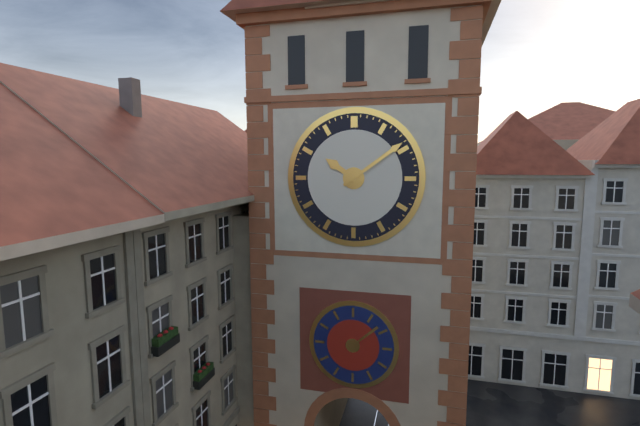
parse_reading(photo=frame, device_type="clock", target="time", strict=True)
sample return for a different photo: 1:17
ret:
10:09
